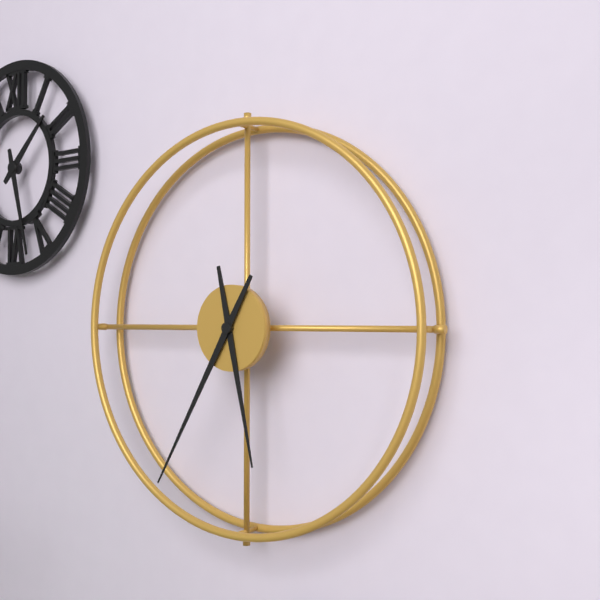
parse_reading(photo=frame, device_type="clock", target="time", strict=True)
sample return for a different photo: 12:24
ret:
5:35
